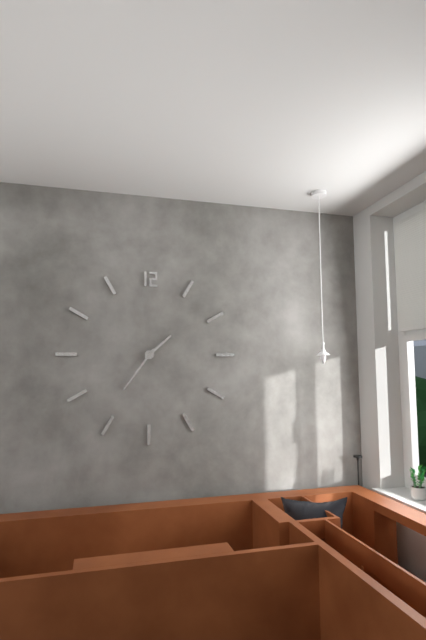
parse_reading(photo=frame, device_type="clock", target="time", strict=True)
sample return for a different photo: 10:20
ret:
1:36
